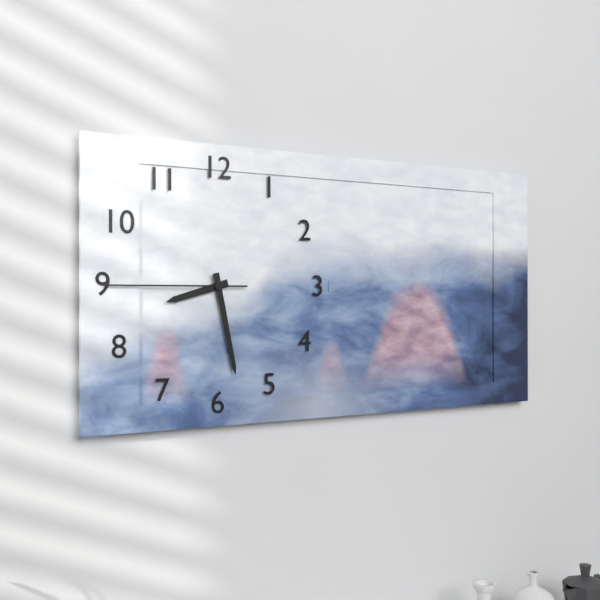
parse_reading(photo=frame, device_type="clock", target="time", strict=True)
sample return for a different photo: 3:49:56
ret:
8:28:45
